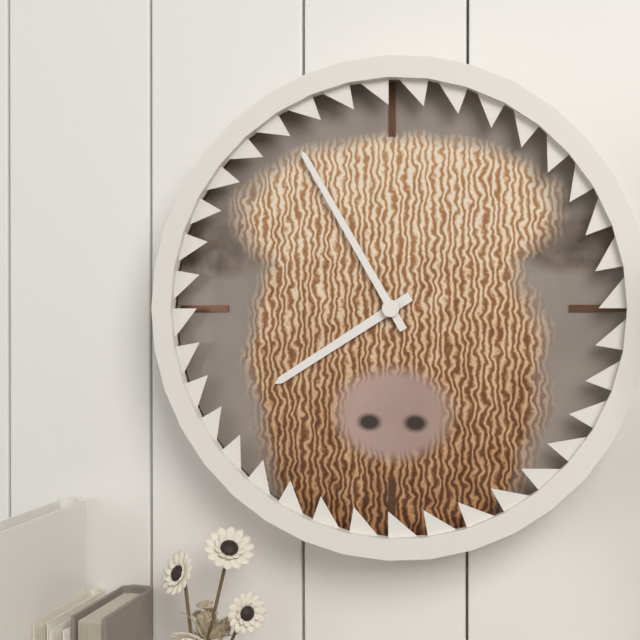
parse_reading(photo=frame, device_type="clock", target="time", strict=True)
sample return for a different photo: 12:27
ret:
7:55
